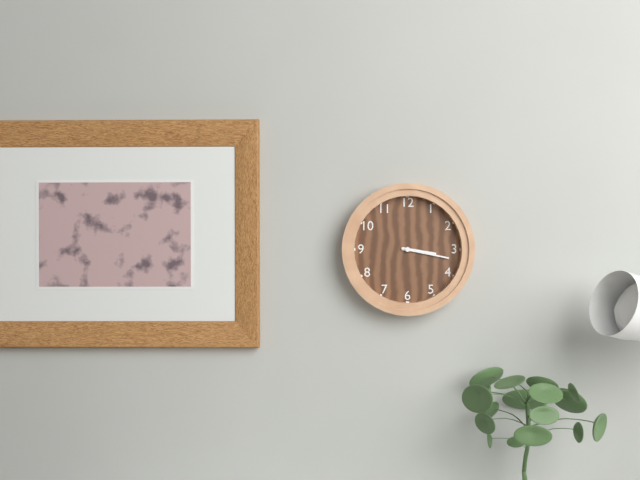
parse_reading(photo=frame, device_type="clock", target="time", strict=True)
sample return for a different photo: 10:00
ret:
3:17
